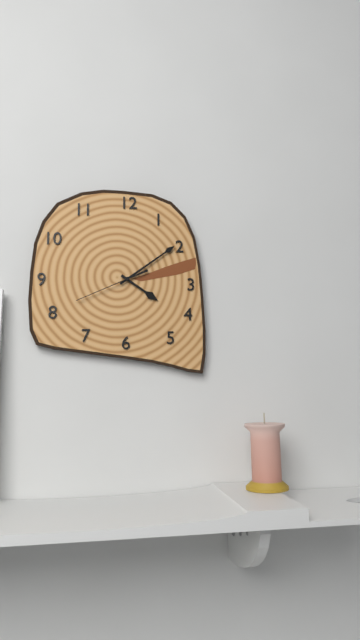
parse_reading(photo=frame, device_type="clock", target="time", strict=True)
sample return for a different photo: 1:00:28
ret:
4:09:41
